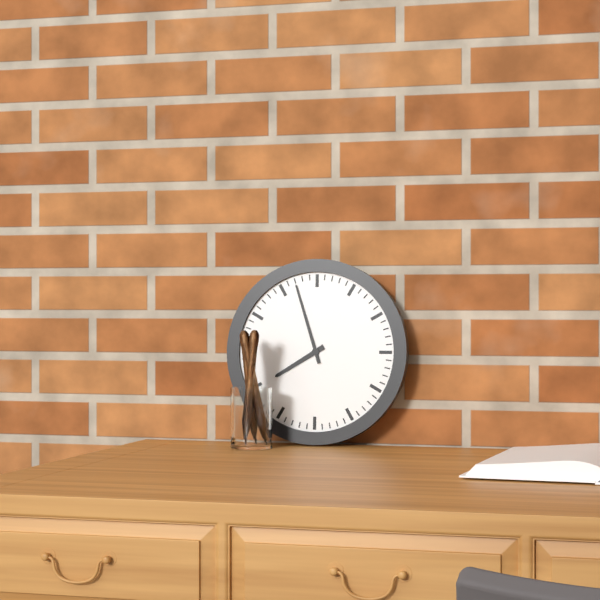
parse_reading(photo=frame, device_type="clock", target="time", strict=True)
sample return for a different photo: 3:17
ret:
7:57
